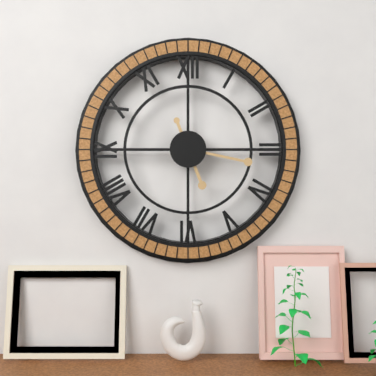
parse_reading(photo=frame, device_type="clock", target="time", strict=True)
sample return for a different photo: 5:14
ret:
5:17
